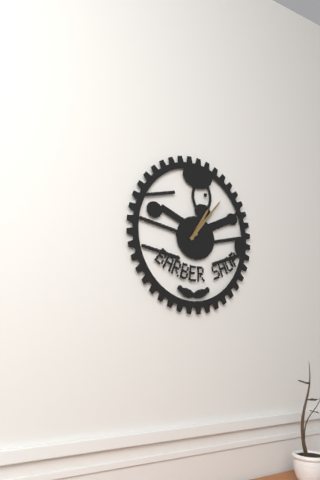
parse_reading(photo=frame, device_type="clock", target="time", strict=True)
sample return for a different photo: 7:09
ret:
1:07
